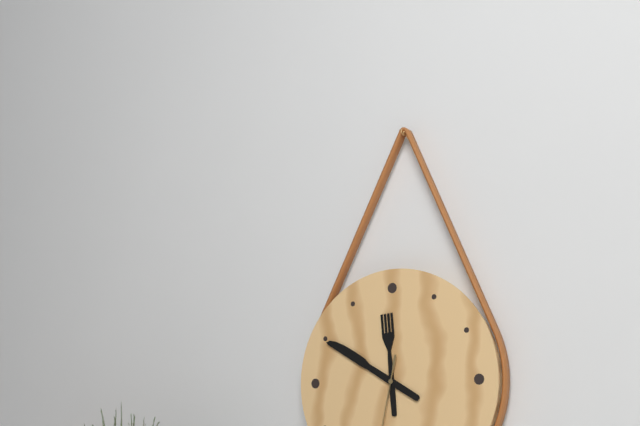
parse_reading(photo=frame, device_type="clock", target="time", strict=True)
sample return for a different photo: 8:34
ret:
11:50
